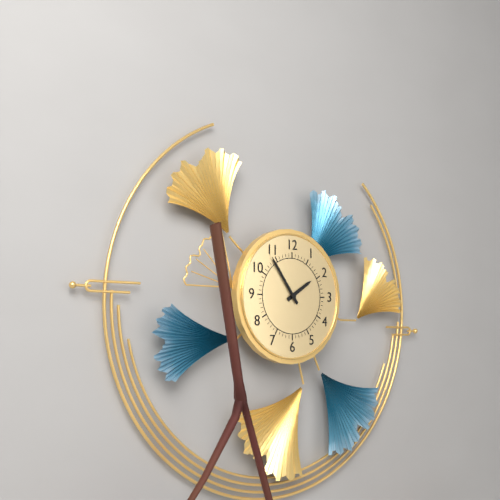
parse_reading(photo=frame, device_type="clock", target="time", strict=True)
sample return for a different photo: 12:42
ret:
1:54
